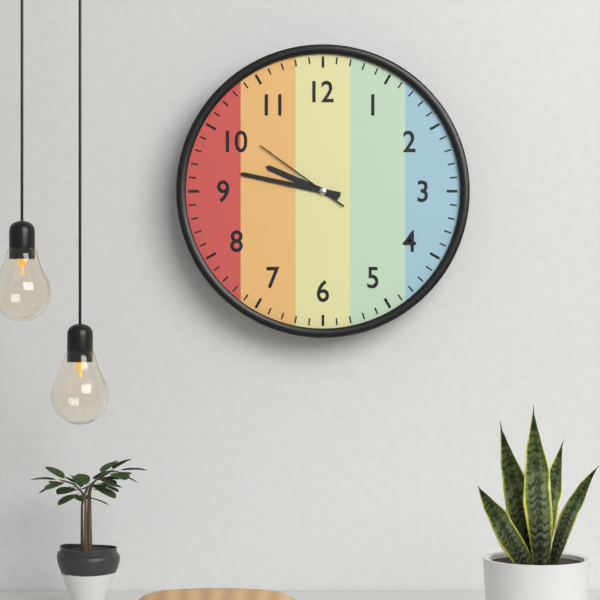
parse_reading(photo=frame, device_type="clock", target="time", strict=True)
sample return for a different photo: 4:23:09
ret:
9:47:51
